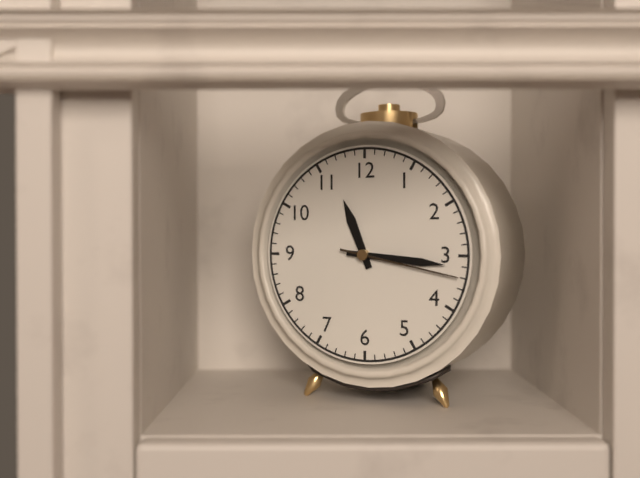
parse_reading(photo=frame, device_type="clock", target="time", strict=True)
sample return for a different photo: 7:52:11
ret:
11:16:17
